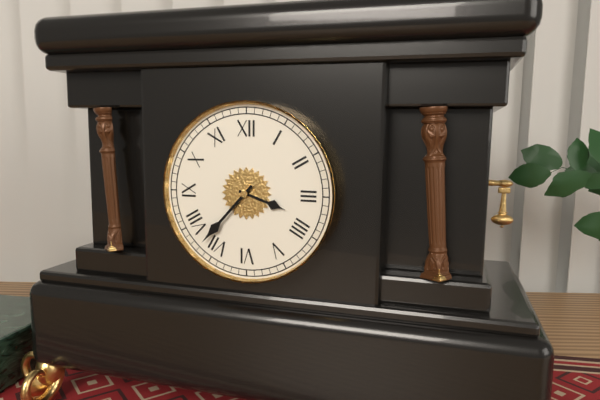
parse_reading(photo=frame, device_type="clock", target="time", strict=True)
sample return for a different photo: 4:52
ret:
3:37
